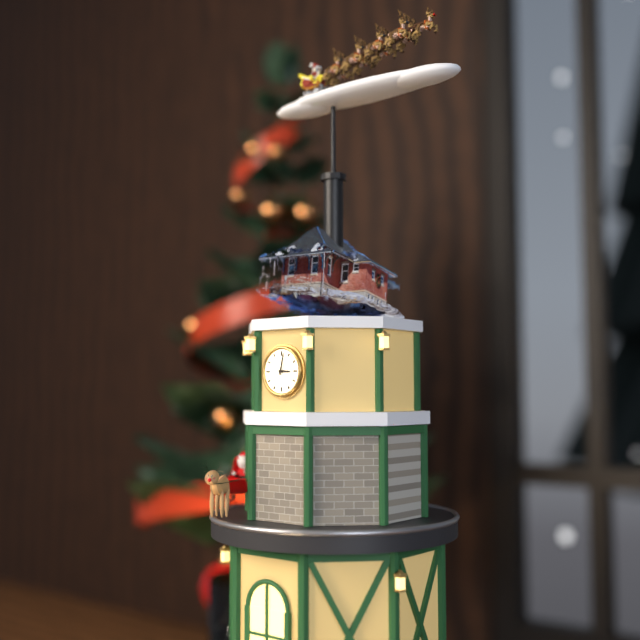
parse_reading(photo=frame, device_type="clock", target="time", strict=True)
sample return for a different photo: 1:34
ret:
3:02
